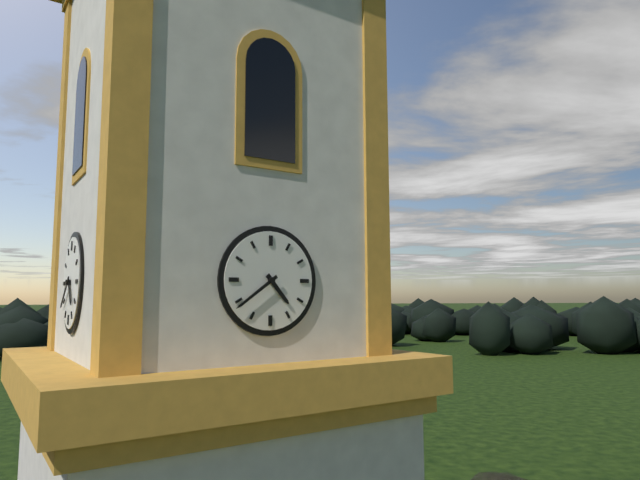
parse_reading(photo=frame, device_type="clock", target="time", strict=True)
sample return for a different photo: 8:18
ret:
4:39
